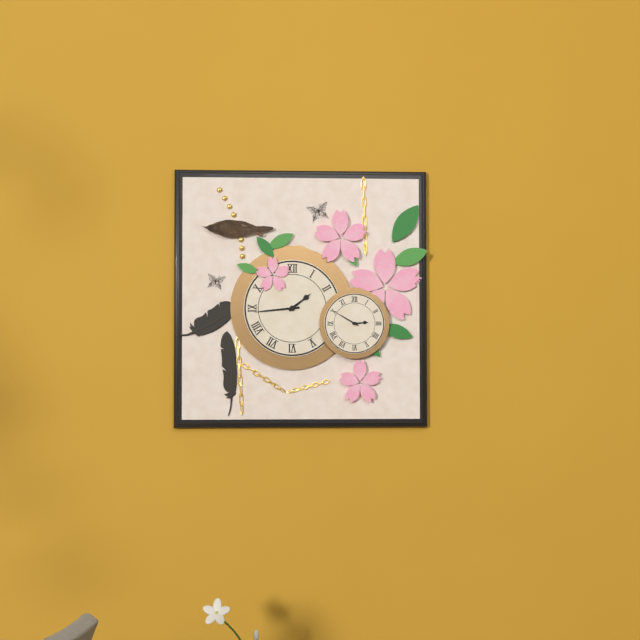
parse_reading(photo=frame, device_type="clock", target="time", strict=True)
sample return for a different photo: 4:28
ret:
1:44
